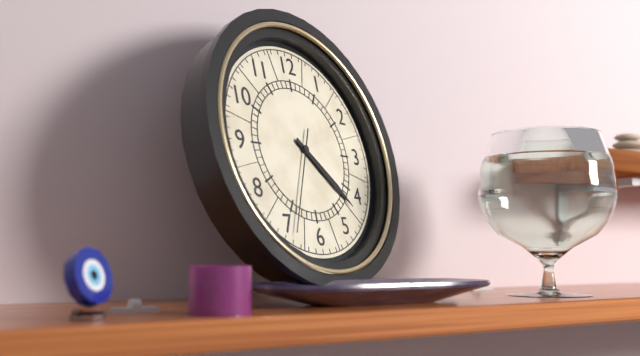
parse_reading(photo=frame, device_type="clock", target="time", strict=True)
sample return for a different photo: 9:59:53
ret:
4:22:34
